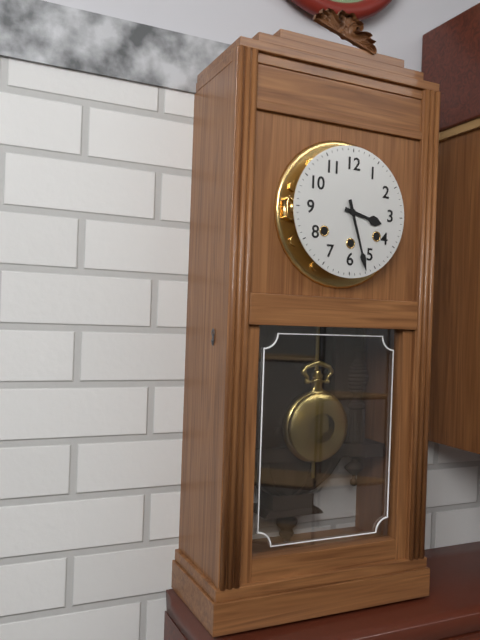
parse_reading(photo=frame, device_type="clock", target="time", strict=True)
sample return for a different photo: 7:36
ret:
3:27
